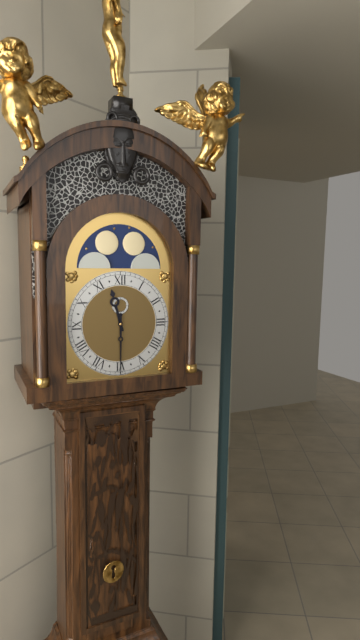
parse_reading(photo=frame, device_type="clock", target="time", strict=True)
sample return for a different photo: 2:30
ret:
11:30
